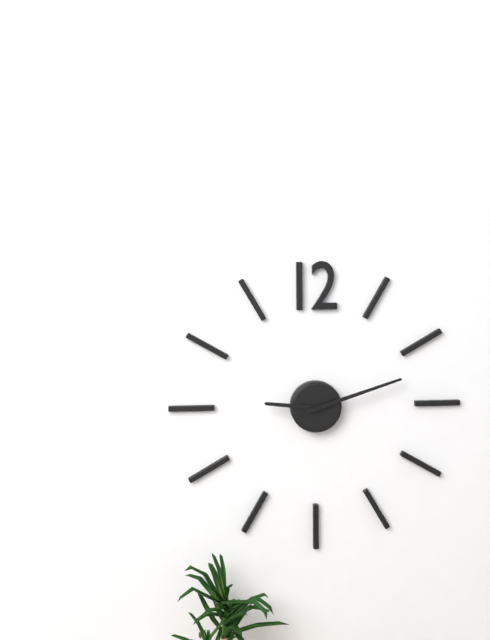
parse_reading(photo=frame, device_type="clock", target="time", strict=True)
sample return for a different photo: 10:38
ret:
9:12
